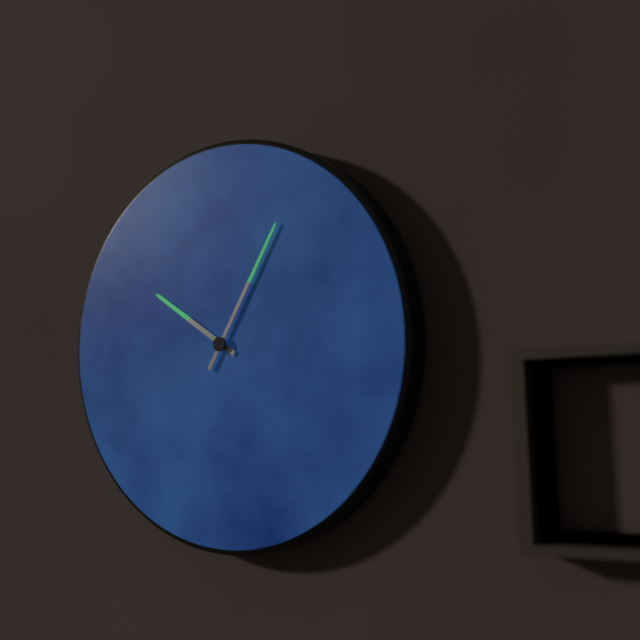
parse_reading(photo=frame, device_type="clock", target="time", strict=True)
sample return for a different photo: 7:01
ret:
10:05
